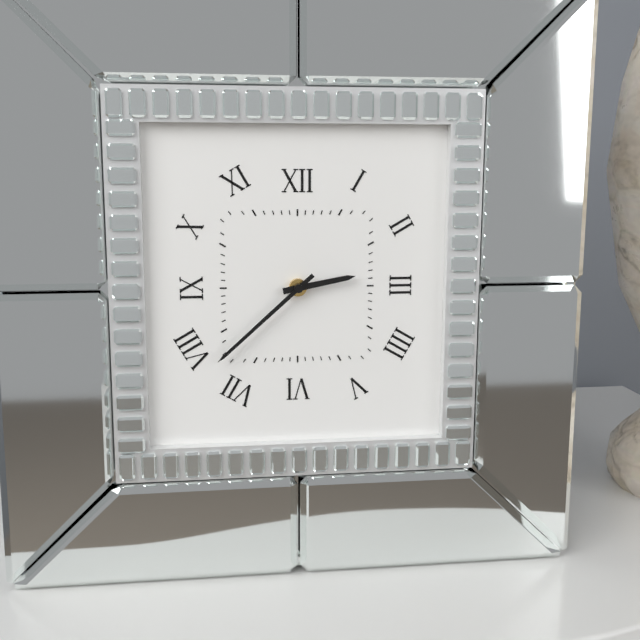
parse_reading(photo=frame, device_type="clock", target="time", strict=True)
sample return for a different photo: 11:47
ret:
2:38
